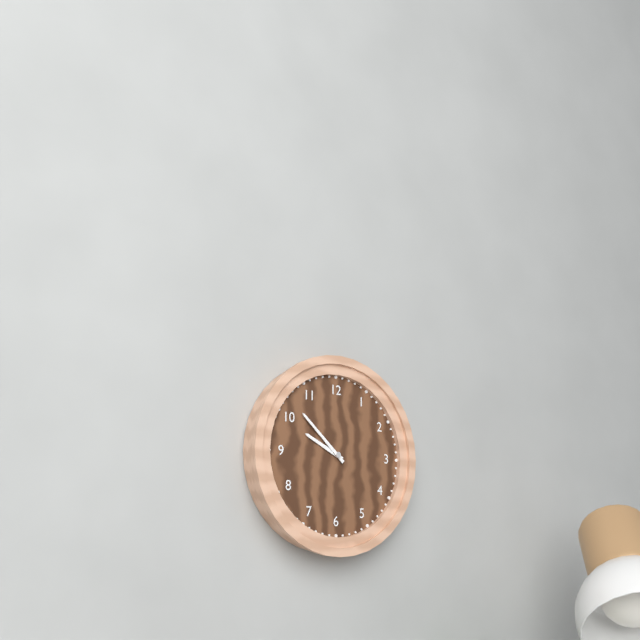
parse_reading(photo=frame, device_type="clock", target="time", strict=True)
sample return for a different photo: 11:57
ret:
9:52
